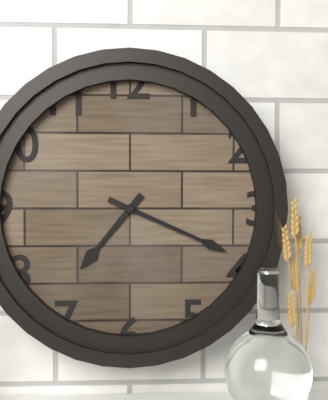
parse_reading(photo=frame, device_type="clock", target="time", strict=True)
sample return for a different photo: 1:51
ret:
7:19
